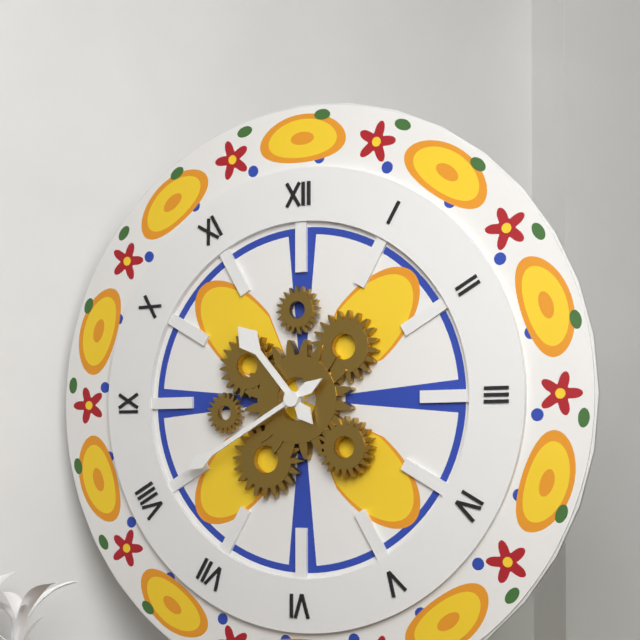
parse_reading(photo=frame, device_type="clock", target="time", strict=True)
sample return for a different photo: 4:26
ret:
10:40
